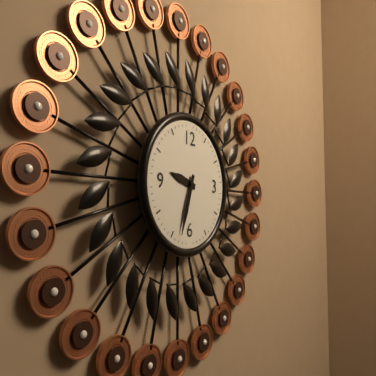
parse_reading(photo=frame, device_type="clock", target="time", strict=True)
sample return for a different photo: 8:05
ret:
9:33
